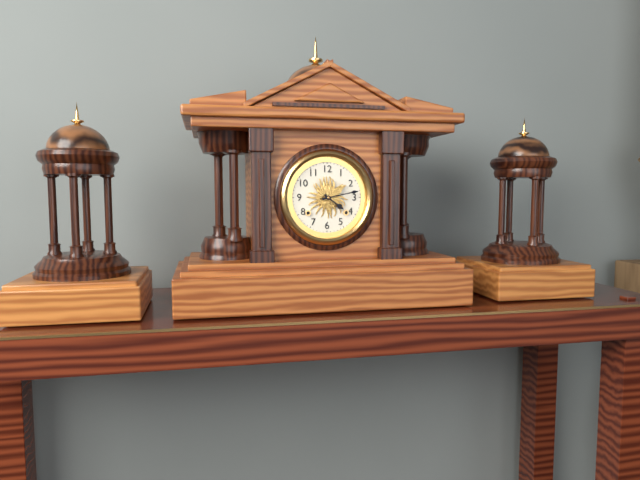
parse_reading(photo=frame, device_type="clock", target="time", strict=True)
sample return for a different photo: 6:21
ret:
4:13
